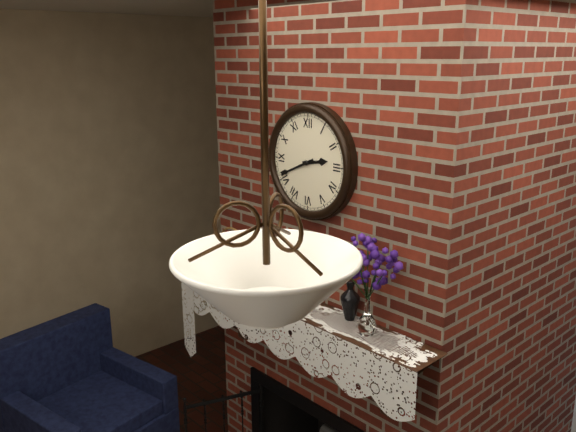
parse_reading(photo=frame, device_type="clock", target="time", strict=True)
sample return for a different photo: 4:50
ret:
2:41
